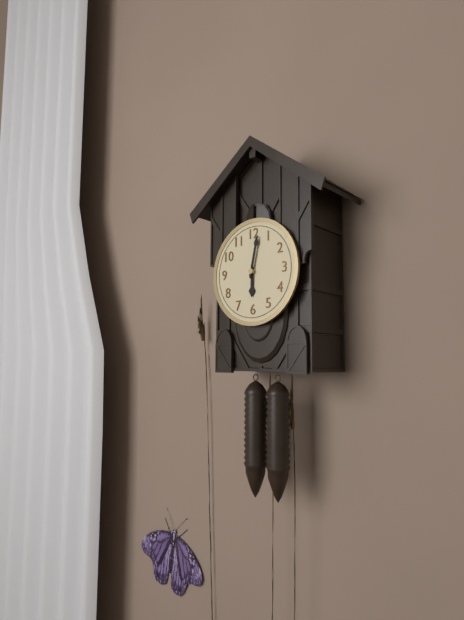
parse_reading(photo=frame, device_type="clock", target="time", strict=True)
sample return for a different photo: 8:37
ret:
6:02
